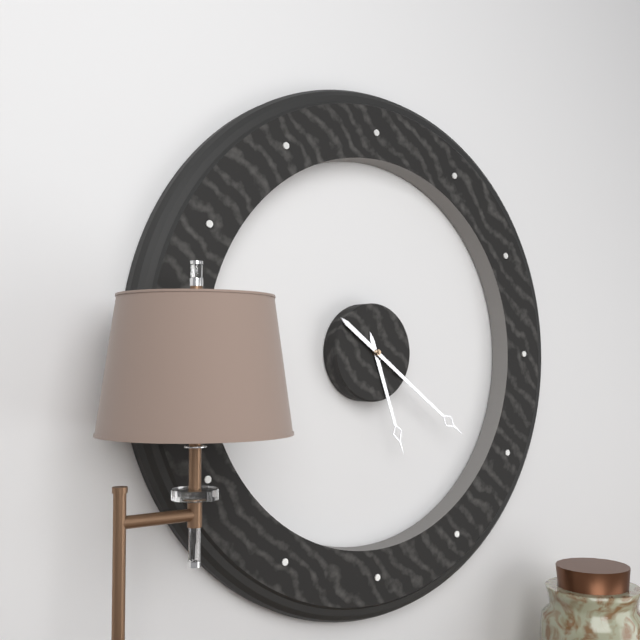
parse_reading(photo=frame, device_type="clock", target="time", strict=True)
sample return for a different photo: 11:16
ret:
5:21
